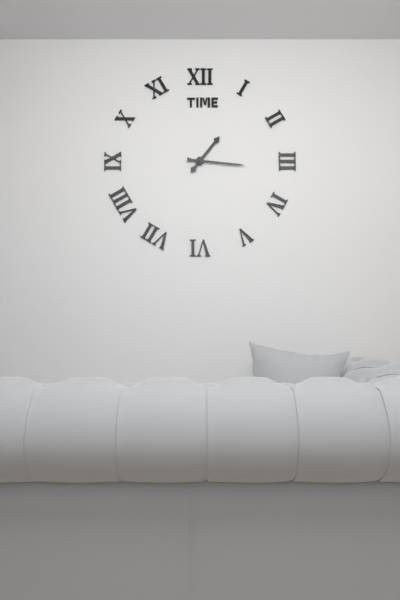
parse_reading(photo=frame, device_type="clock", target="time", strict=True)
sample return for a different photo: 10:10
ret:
1:16
